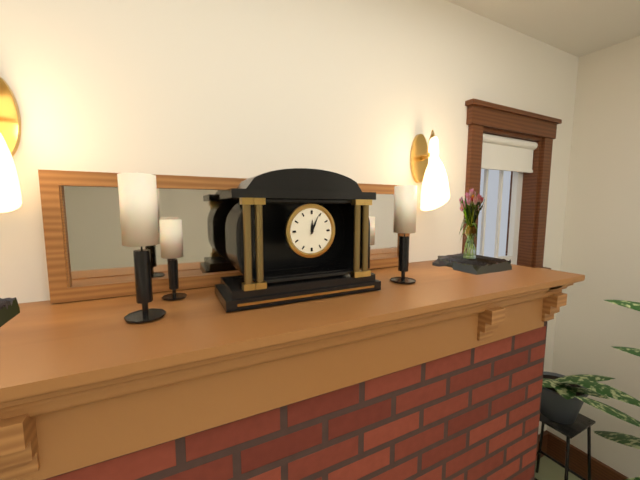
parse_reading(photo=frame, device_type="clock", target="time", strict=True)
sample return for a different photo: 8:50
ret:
12:04
